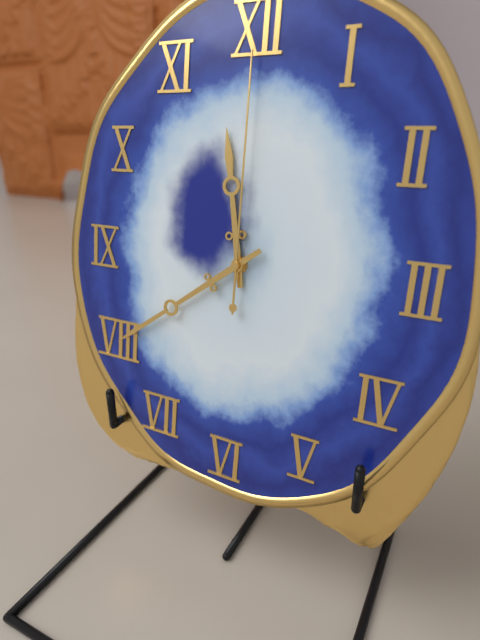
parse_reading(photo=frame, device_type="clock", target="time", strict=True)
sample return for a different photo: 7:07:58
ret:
11:39:00
